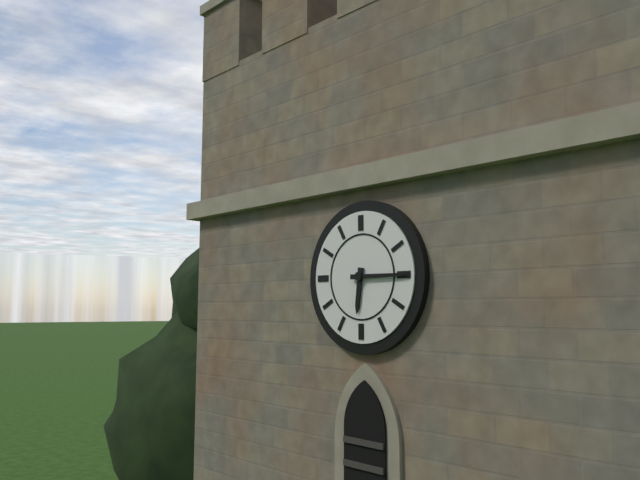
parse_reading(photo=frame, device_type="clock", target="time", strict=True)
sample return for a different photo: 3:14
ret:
6:15
